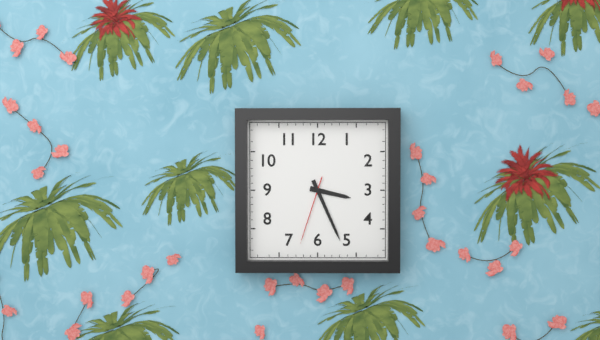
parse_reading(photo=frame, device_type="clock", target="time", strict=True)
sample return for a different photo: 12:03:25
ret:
3:26:33
